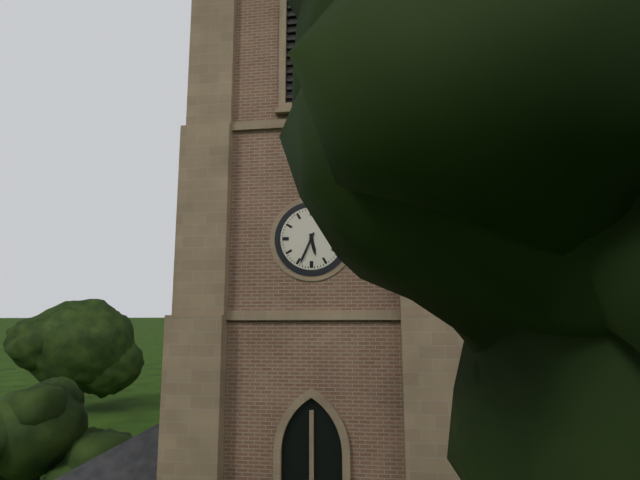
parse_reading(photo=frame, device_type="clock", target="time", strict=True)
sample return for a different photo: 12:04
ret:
5:34
